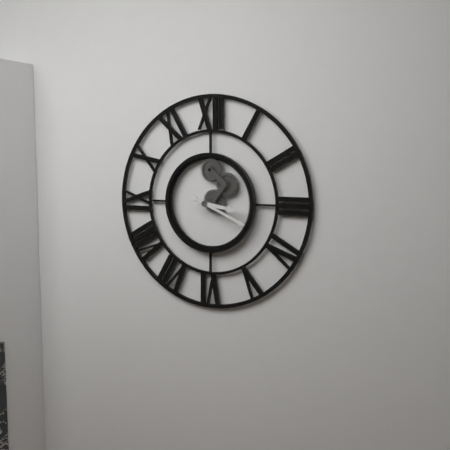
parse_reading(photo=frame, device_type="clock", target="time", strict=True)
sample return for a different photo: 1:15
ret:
3:19
